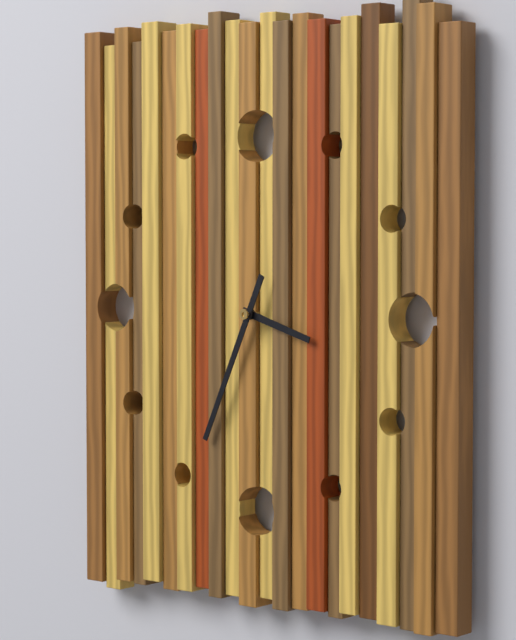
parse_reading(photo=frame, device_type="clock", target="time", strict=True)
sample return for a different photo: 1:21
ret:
3:34
